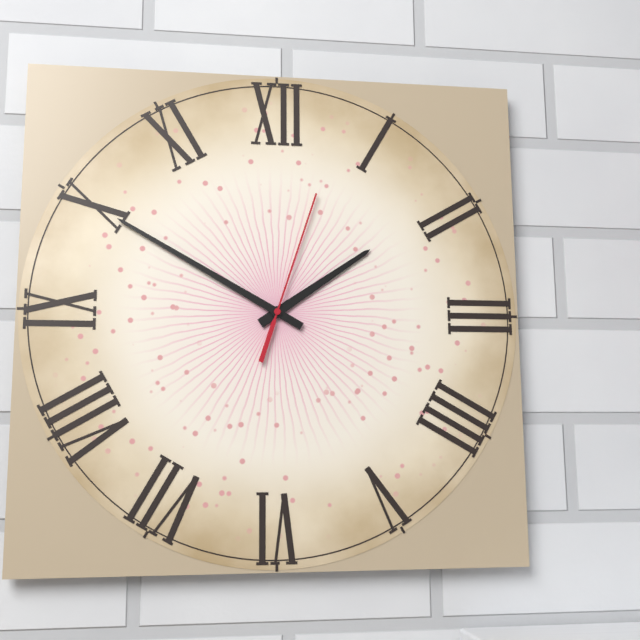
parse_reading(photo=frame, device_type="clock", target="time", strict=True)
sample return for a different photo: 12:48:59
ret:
1:50:03
